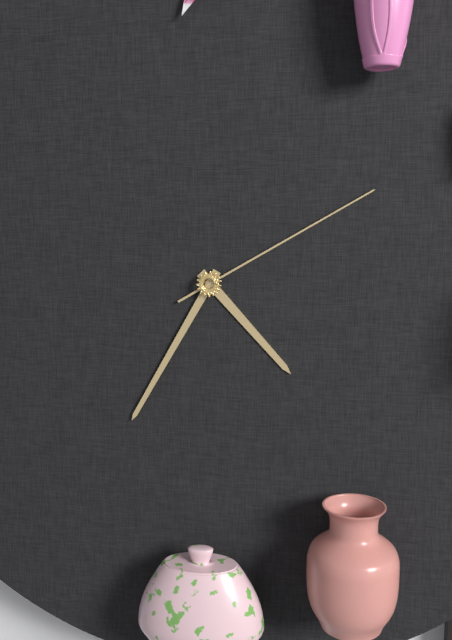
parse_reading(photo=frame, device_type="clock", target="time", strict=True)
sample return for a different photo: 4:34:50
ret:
4:35:10
